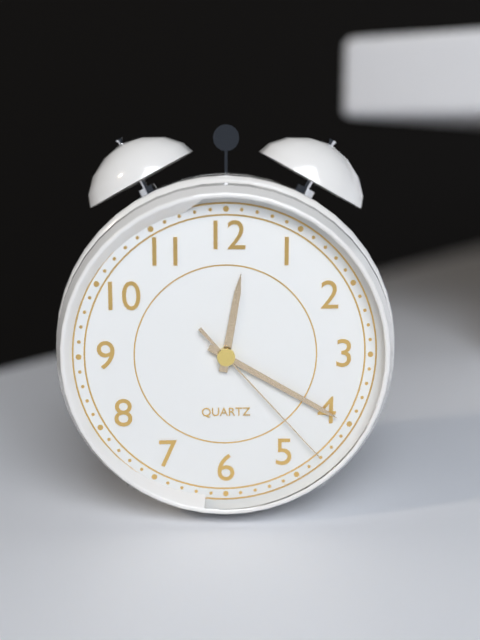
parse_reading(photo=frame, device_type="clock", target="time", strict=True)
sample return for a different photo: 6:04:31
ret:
12:20:23
